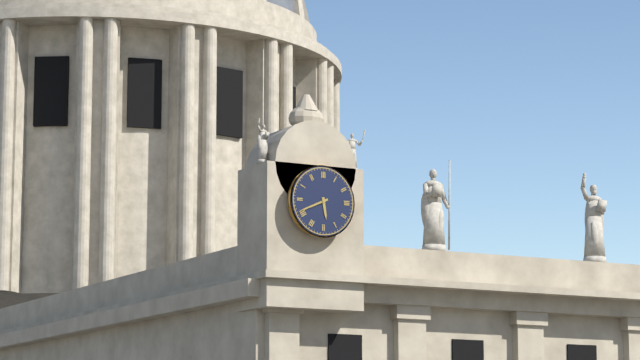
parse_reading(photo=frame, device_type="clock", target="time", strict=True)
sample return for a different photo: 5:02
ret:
5:41
